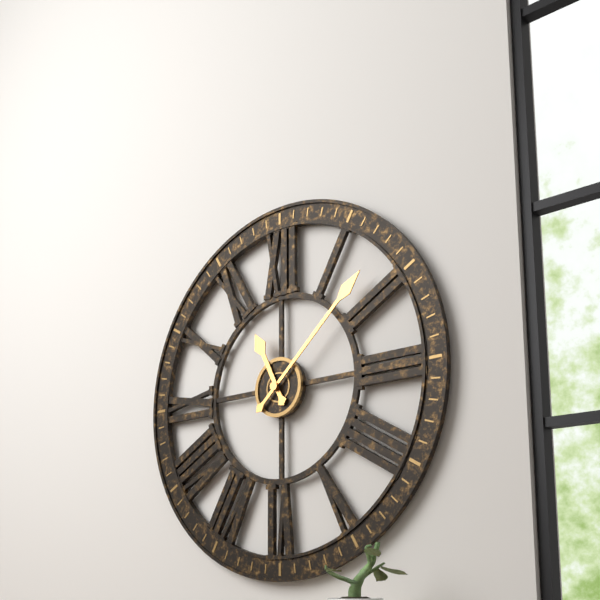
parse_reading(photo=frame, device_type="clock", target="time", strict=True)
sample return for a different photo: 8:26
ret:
11:08
